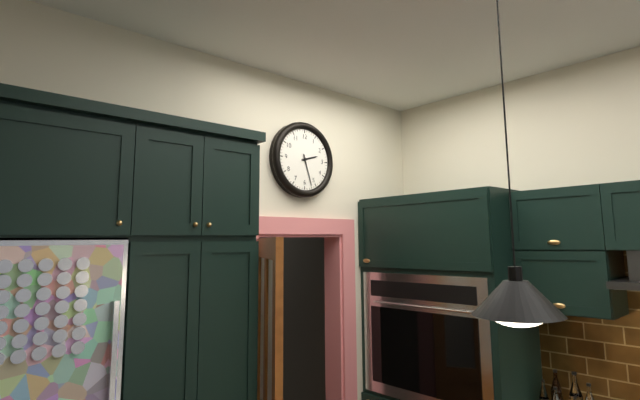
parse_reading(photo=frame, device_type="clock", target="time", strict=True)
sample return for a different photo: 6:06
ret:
2:27
